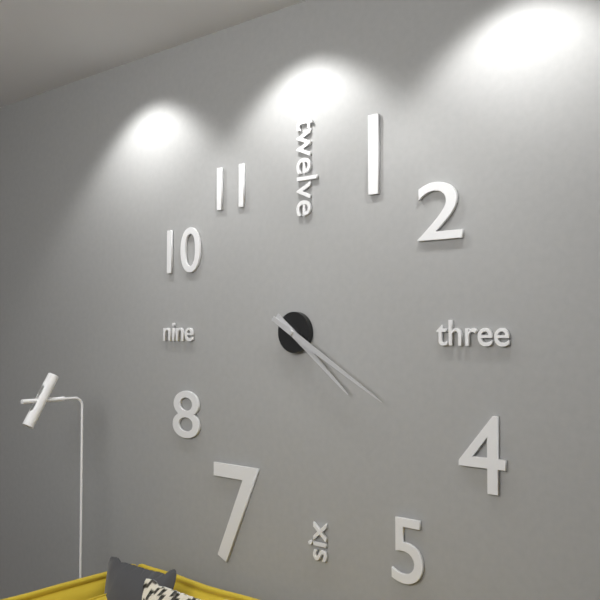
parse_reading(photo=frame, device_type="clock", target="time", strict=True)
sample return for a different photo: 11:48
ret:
4:20
